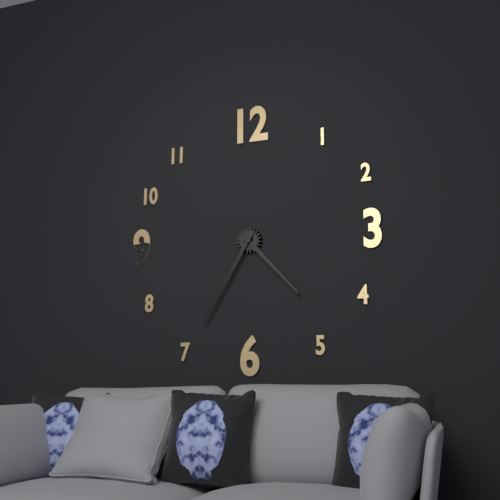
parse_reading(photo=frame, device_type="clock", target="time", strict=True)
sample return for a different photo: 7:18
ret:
4:35
